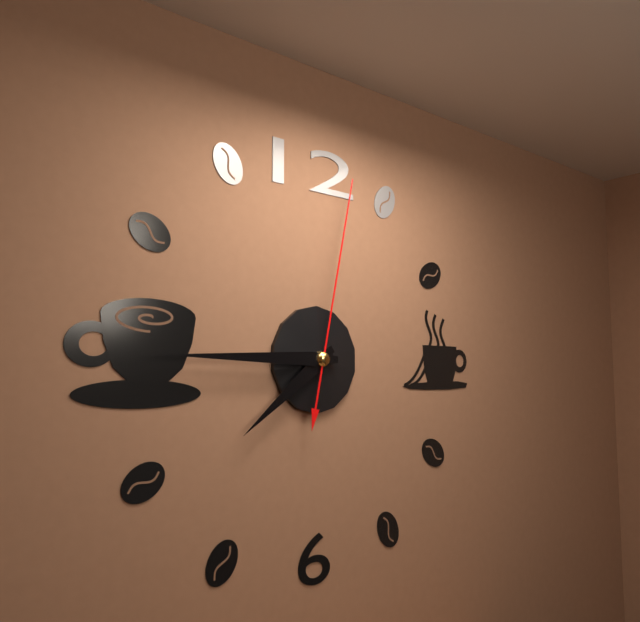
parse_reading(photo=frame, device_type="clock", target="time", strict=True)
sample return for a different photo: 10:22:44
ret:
7:45:02
